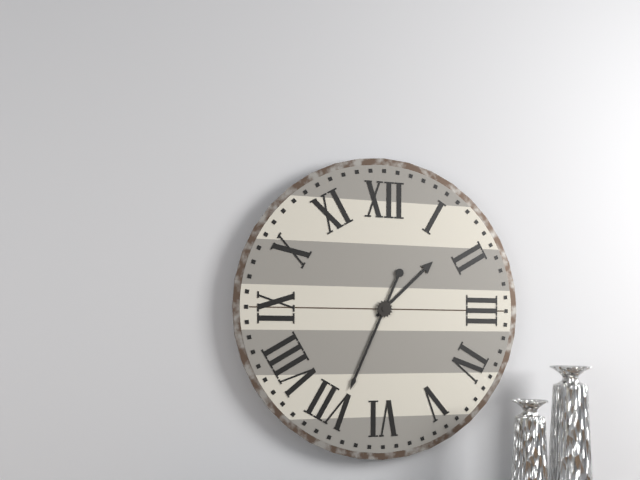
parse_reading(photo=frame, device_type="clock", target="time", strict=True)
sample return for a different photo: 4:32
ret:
1:34
